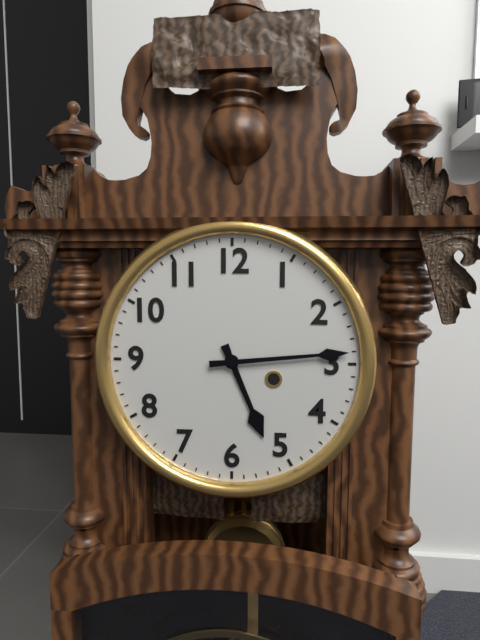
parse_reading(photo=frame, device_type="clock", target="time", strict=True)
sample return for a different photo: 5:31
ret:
5:14
